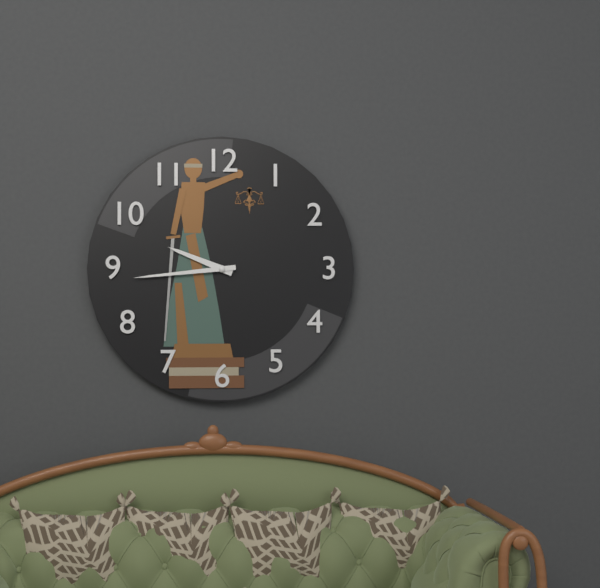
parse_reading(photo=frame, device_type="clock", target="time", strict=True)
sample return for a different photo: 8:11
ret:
9:44
